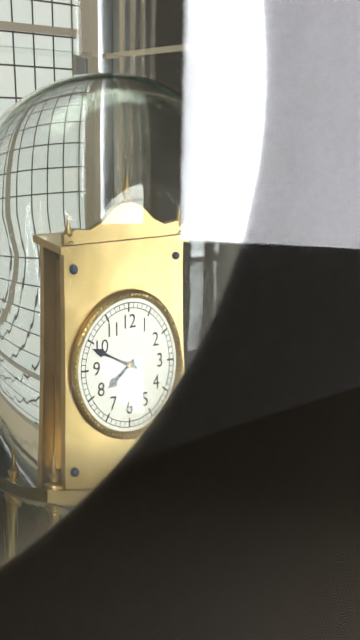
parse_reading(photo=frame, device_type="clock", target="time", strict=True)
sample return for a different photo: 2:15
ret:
7:49
